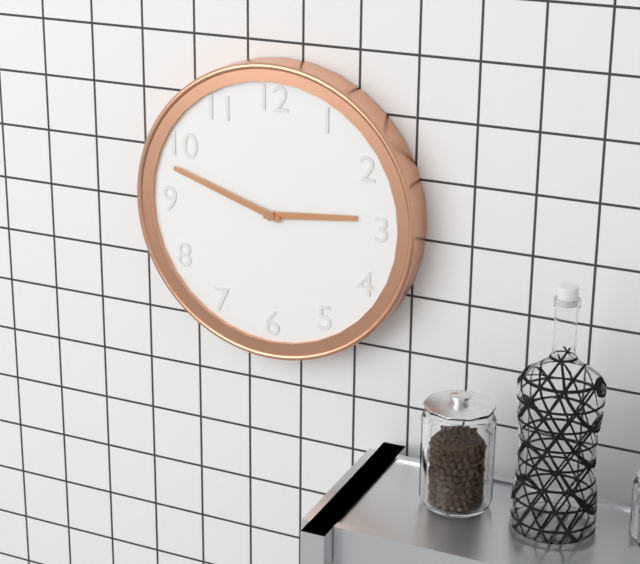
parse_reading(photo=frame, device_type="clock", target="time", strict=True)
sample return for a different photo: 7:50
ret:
2:48
